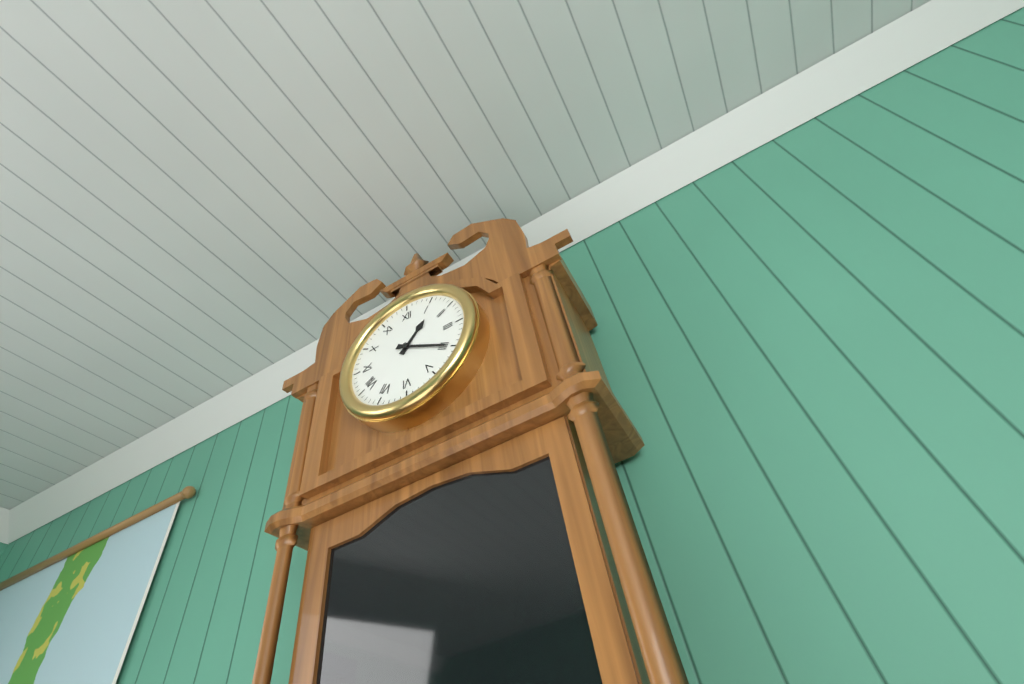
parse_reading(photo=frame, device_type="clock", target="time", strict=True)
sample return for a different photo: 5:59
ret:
1:20
